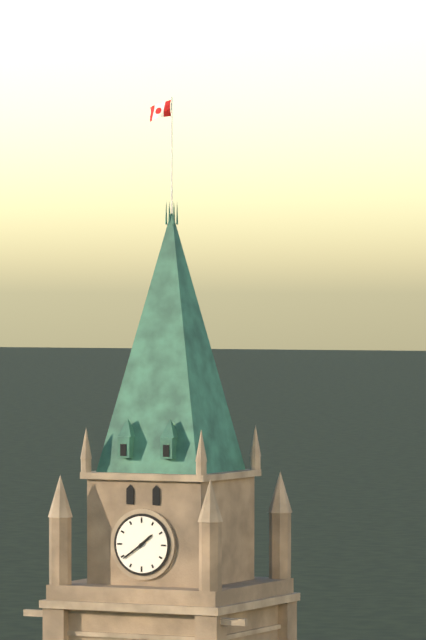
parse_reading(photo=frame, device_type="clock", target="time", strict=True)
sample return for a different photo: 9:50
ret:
1:39
